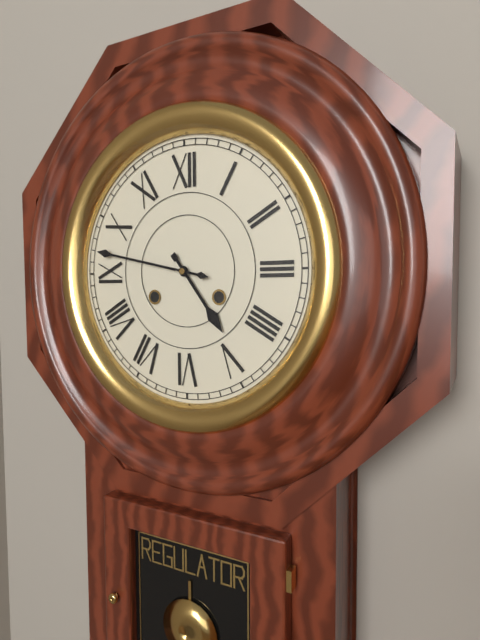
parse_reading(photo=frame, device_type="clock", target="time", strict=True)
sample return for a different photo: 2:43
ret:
4:47
